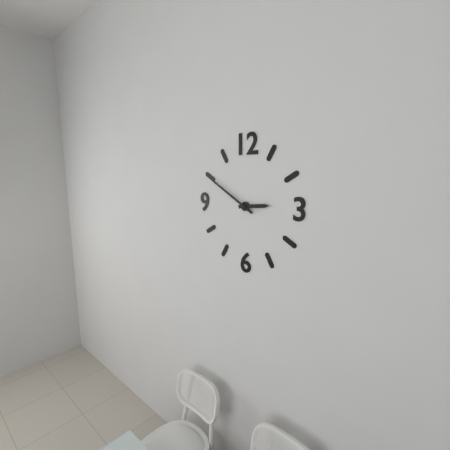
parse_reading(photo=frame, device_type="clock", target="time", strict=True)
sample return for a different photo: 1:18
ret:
2:50
